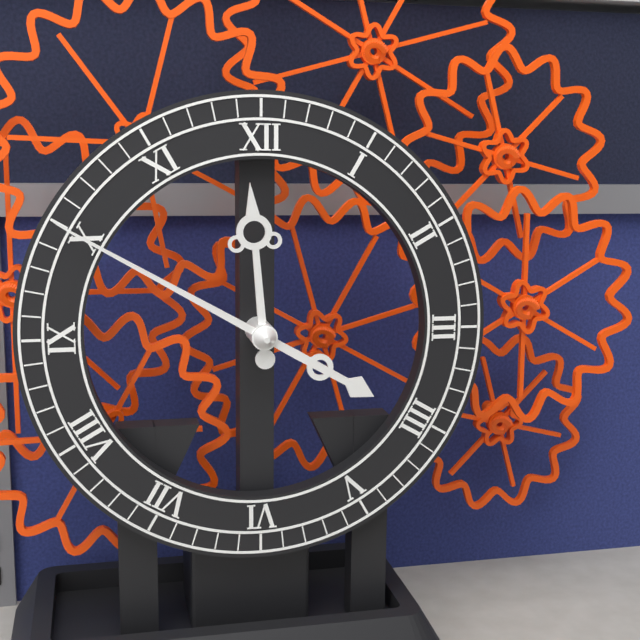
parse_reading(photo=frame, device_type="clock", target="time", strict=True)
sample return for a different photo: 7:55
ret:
11:50
